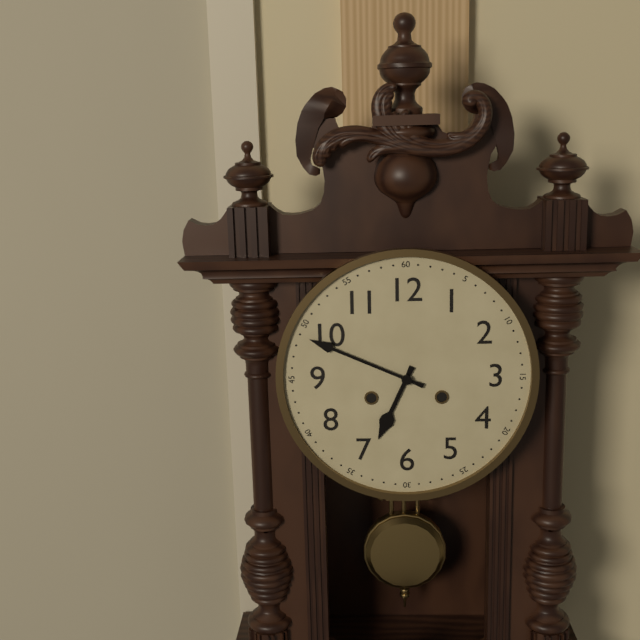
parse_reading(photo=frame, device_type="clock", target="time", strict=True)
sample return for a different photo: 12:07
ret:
6:49
